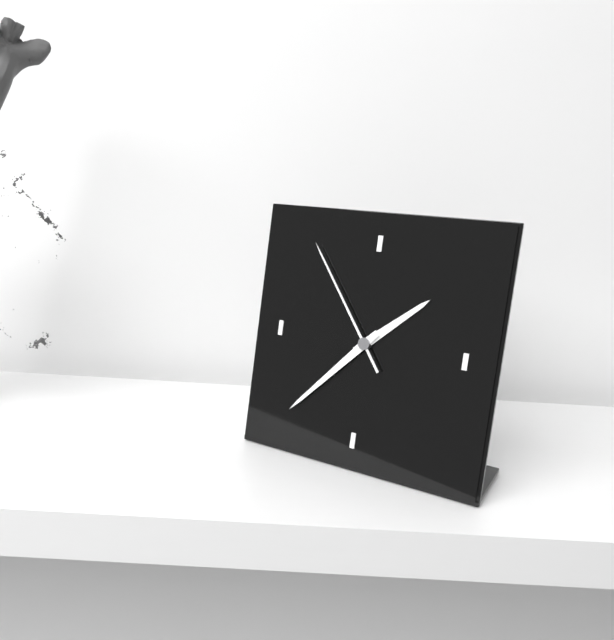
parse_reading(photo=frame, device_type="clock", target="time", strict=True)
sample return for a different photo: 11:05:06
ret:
1:37:54
